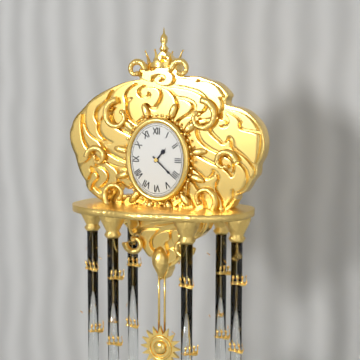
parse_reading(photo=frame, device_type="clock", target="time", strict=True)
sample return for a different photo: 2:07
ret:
1:22
